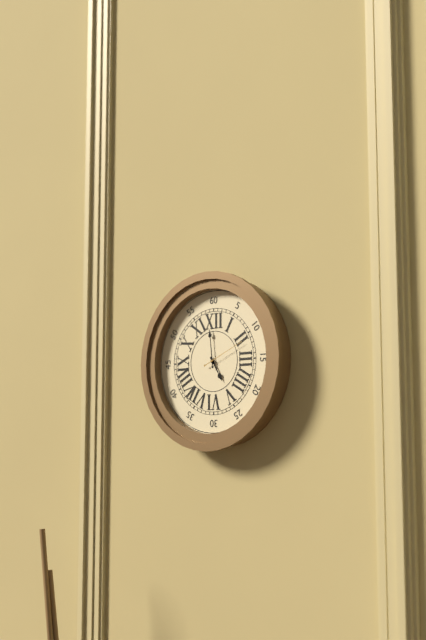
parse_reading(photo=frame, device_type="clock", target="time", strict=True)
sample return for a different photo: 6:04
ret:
4:59
